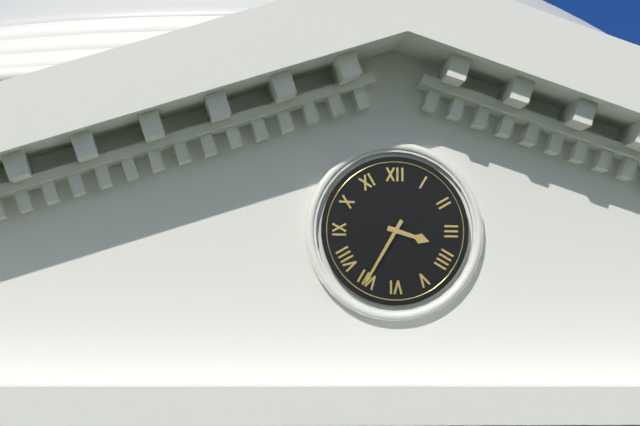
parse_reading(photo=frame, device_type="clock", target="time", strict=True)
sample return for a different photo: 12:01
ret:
3:35
